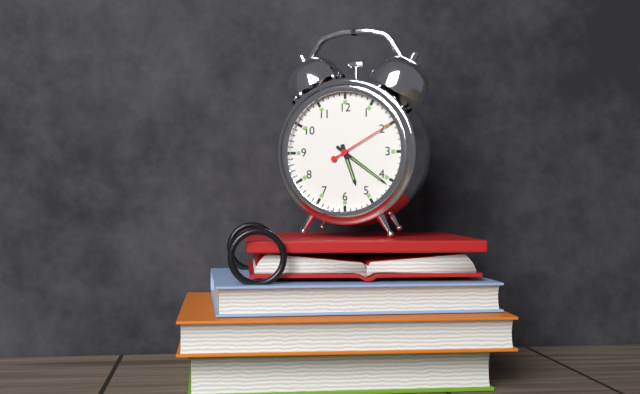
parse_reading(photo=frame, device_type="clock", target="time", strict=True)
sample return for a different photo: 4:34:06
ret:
5:21:10
